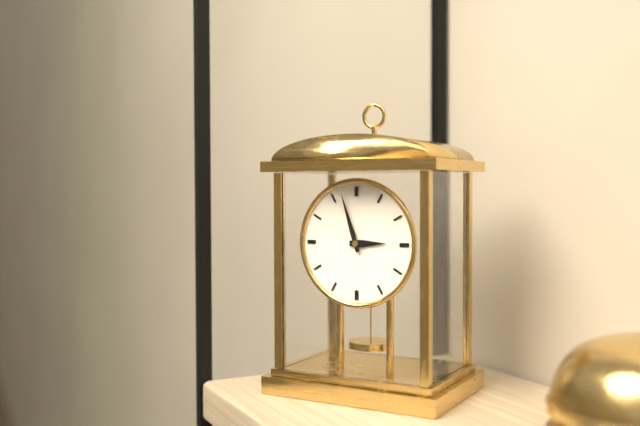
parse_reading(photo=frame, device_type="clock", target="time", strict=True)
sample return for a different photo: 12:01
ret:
2:57
